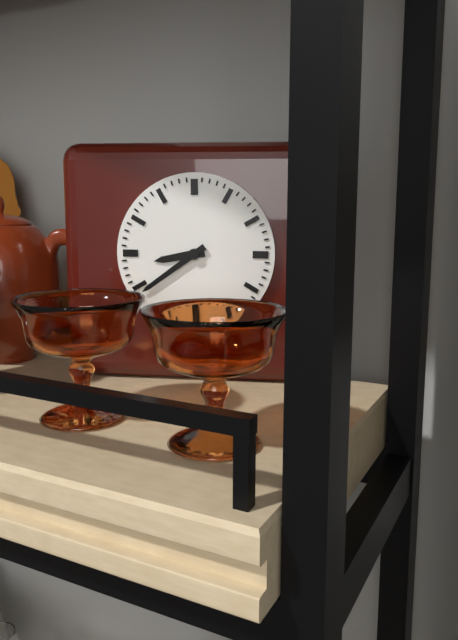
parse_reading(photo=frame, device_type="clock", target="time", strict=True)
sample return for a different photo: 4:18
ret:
8:39
